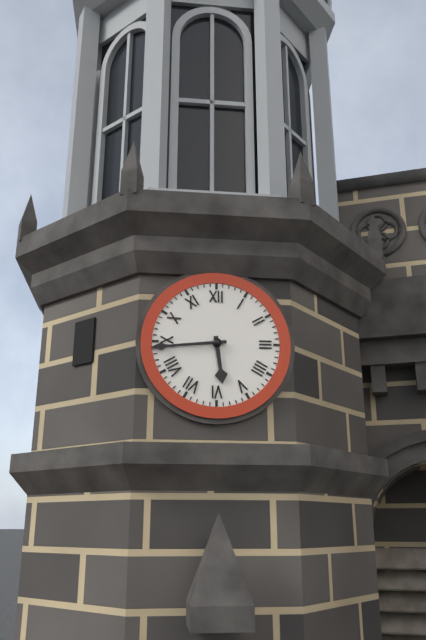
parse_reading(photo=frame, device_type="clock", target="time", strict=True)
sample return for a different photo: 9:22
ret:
5:44
